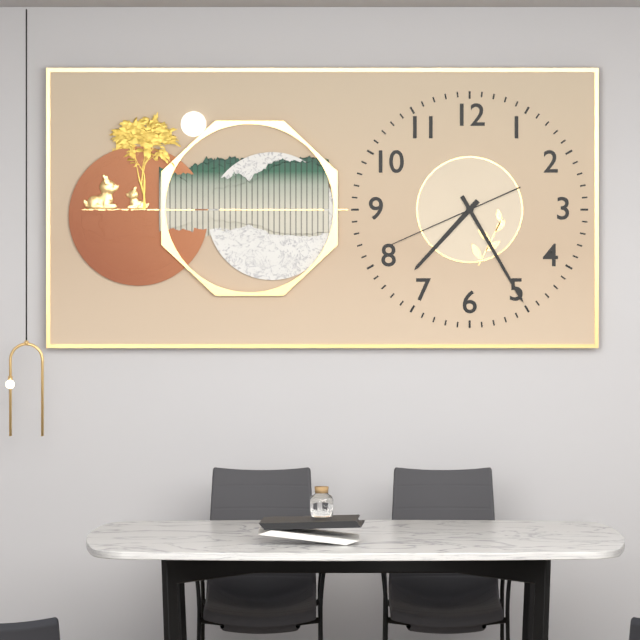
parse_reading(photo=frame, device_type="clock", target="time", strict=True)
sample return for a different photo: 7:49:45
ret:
7:25:41
